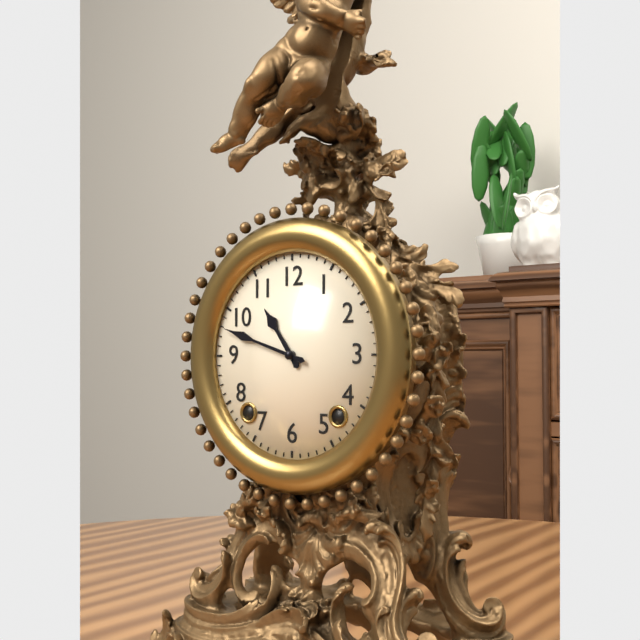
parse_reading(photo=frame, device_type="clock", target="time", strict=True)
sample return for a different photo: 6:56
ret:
10:48
